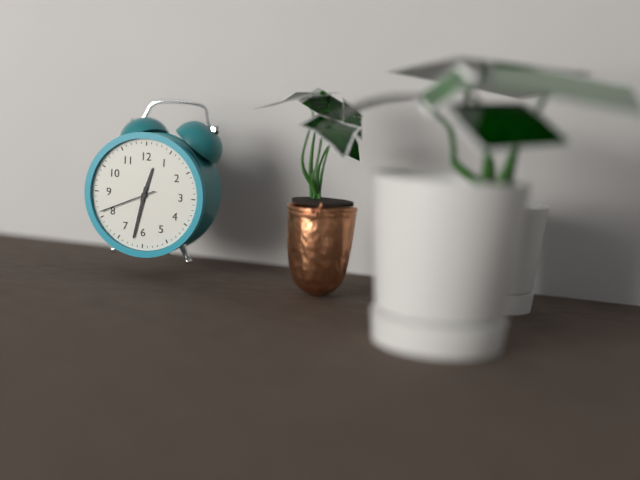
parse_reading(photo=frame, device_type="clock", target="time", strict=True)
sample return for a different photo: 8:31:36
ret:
12:32:41
